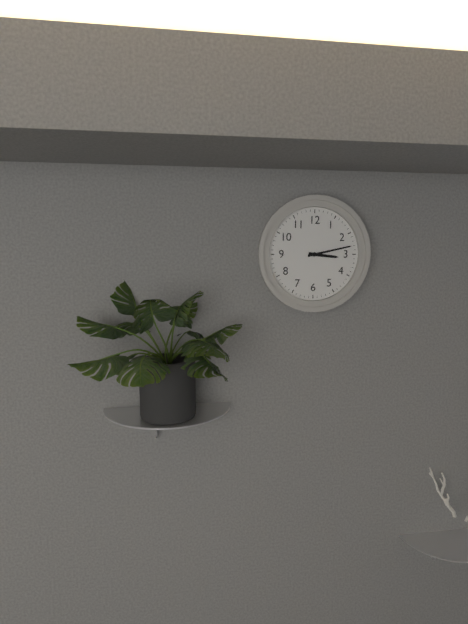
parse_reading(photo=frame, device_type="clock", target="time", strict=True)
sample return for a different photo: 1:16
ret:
3:13
